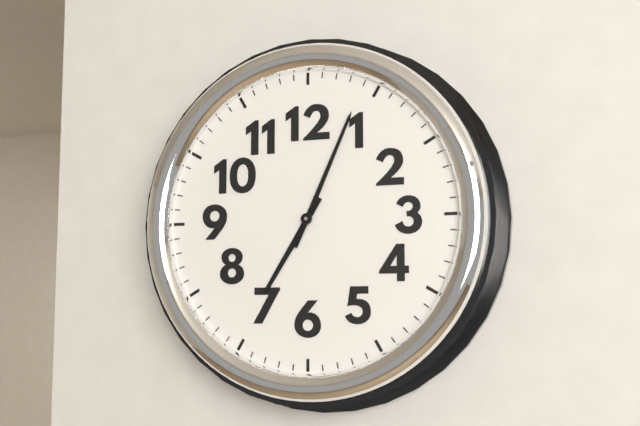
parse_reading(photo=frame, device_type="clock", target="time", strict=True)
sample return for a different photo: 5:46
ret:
7:04
